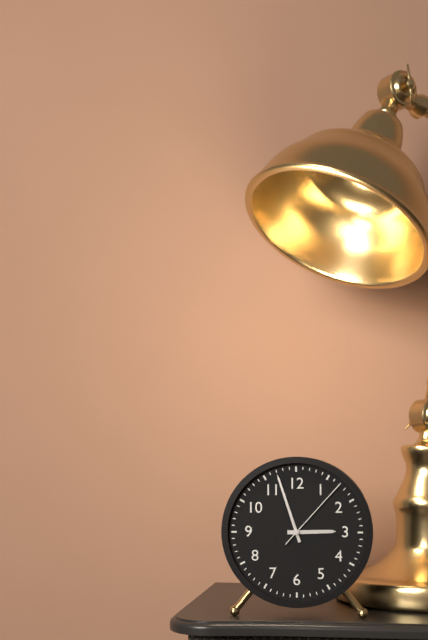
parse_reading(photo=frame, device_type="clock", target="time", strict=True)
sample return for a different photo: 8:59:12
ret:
2:57:07
